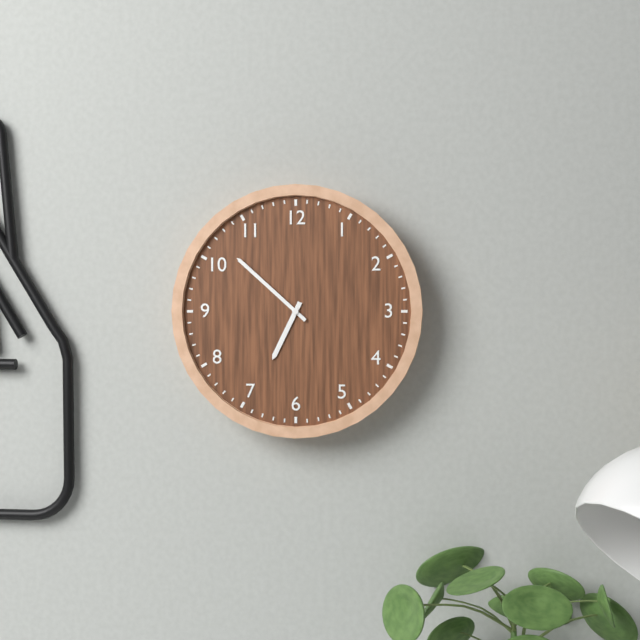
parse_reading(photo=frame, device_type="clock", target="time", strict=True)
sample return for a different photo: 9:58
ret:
6:52
